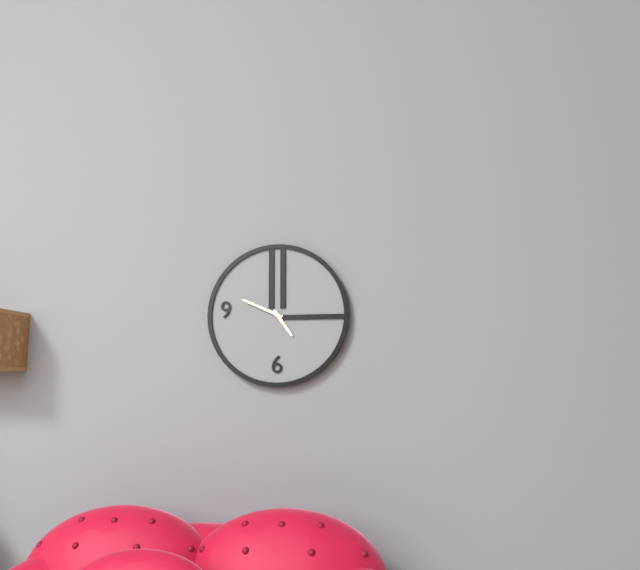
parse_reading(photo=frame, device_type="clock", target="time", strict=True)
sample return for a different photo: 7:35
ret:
4:49
